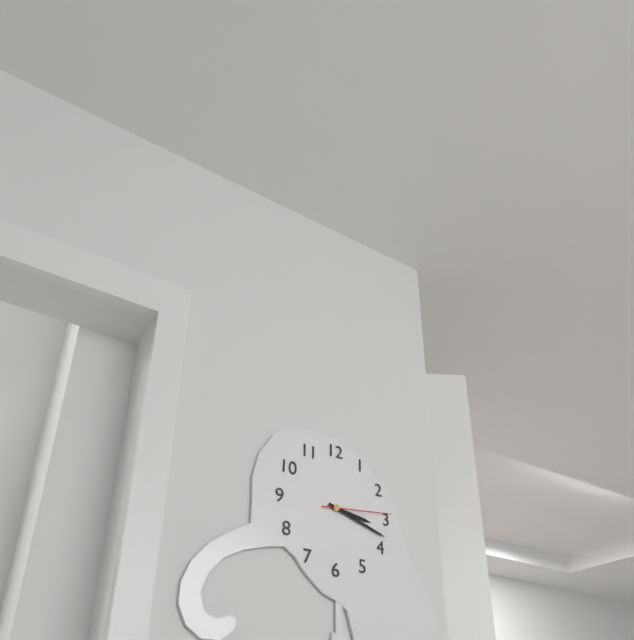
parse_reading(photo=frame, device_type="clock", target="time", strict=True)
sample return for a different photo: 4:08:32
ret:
3:18:14
